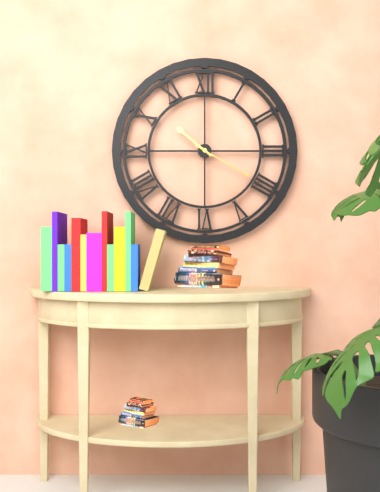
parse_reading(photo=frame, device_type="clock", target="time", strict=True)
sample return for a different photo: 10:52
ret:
10:20
